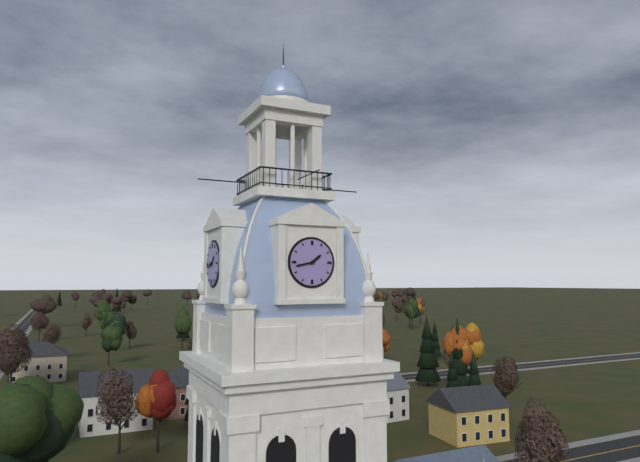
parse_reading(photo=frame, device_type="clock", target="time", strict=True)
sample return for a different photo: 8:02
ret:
1:43
